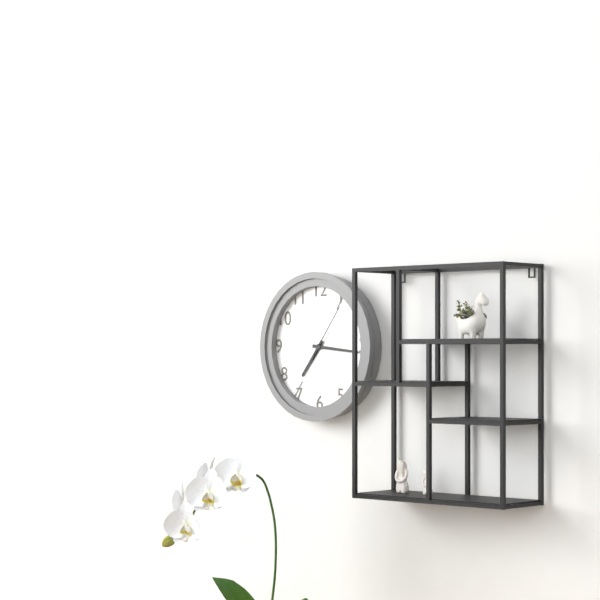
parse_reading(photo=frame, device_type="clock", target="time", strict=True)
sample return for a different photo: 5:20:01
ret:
7:16:06
